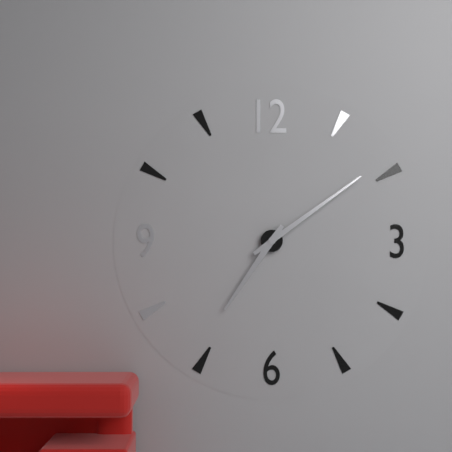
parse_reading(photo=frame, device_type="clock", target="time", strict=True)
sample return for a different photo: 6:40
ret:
7:09
